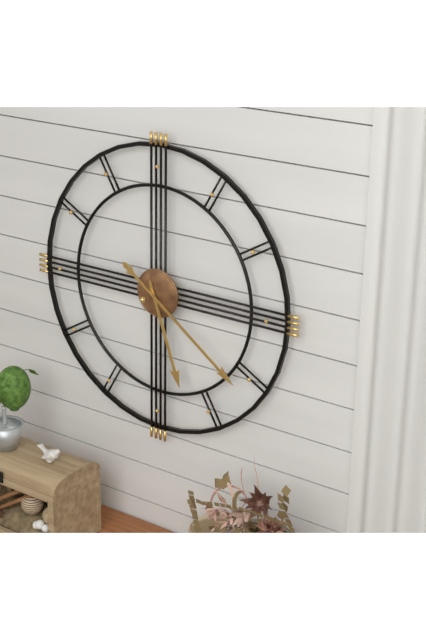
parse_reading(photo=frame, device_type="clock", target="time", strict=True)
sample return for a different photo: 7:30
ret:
5:21
